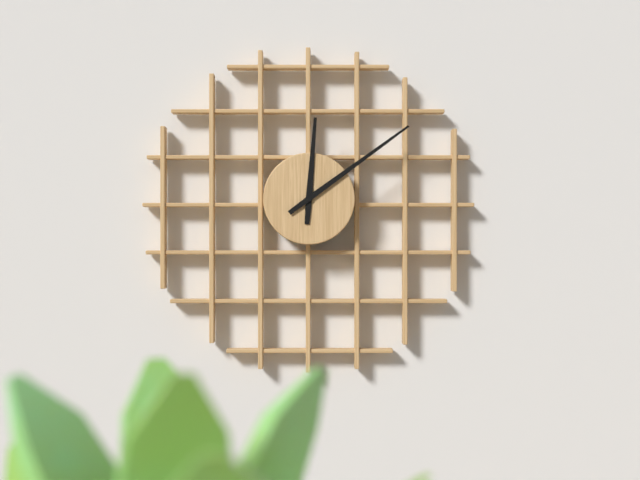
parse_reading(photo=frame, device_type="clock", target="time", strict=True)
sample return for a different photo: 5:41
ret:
12:09
